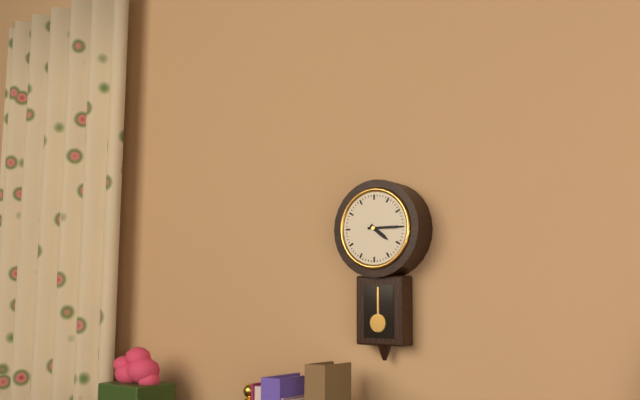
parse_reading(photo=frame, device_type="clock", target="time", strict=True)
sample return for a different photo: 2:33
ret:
4:15
